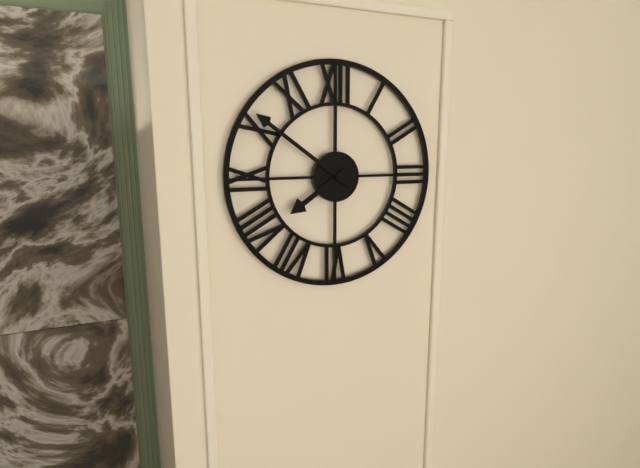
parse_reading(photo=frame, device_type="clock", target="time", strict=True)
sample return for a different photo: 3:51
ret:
7:51
